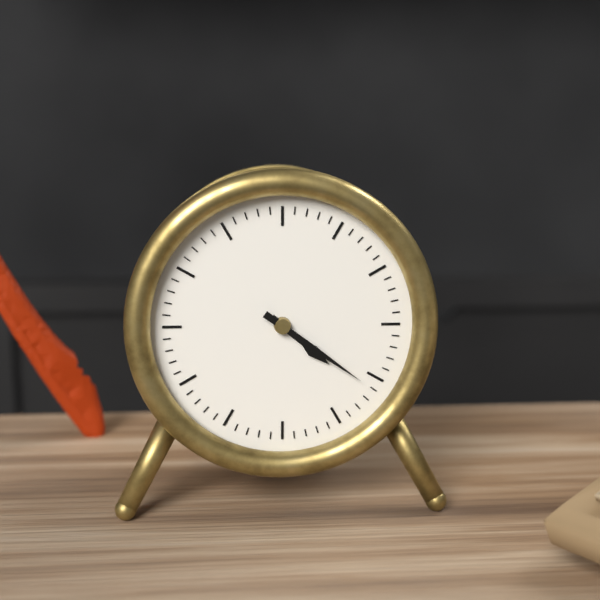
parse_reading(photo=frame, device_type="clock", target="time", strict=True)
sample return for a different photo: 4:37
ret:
4:21
